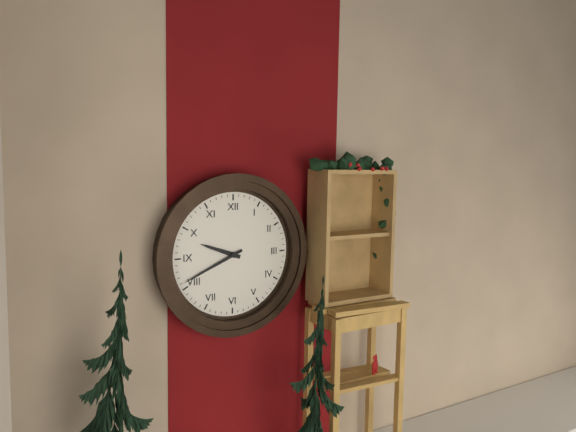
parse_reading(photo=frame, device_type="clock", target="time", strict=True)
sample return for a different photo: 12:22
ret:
9:41
